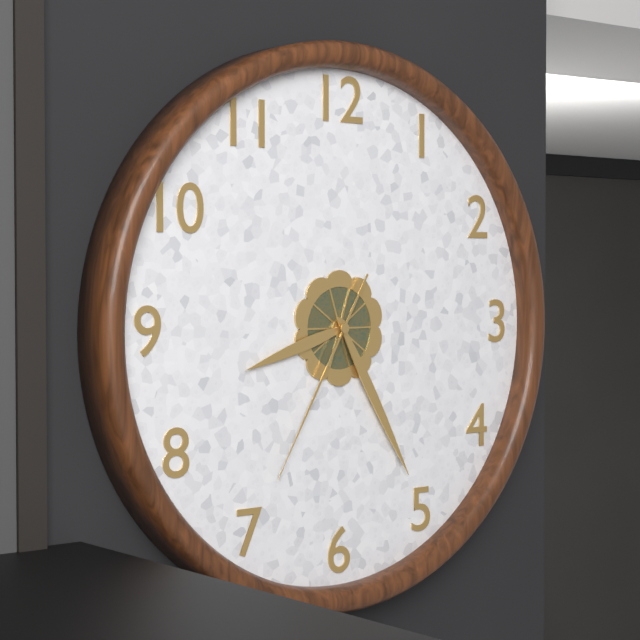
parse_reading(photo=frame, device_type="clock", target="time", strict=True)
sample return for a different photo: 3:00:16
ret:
8:25:35
